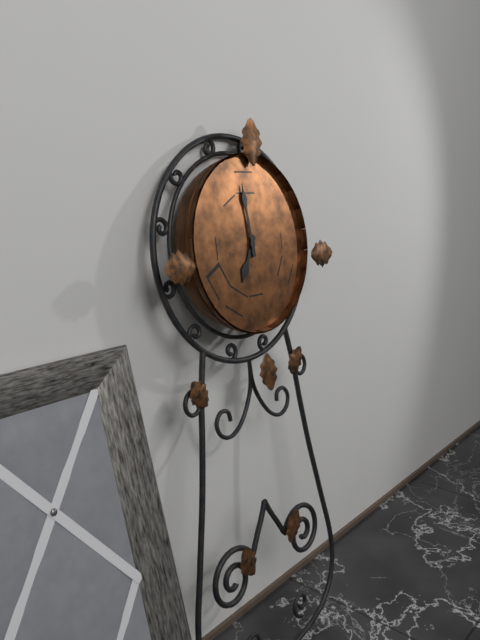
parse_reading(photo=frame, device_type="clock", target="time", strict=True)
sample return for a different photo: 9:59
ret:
6:59
